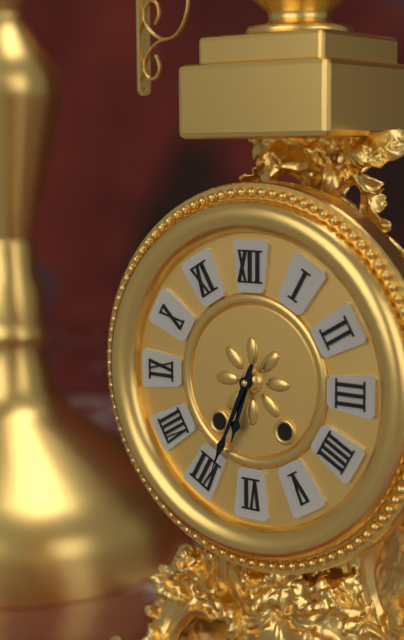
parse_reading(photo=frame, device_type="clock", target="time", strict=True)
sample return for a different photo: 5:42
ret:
6:34
